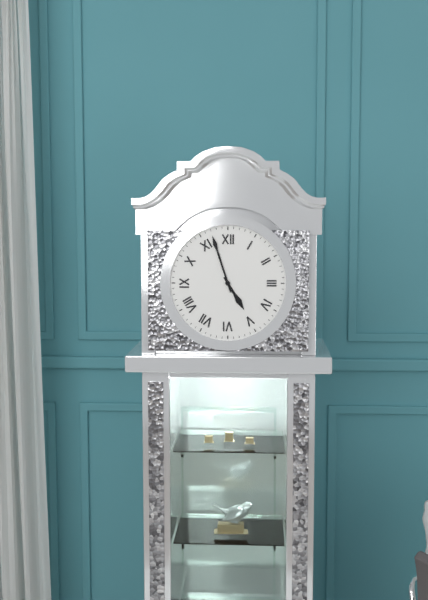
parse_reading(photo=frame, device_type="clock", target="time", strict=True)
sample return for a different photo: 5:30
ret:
4:57
